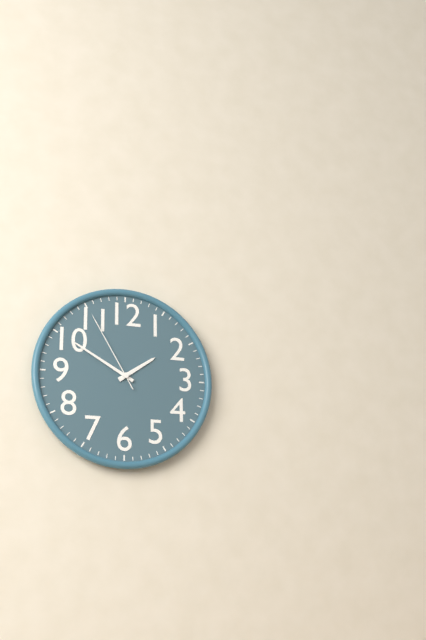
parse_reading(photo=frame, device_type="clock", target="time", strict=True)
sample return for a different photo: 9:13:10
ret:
1:50:55
